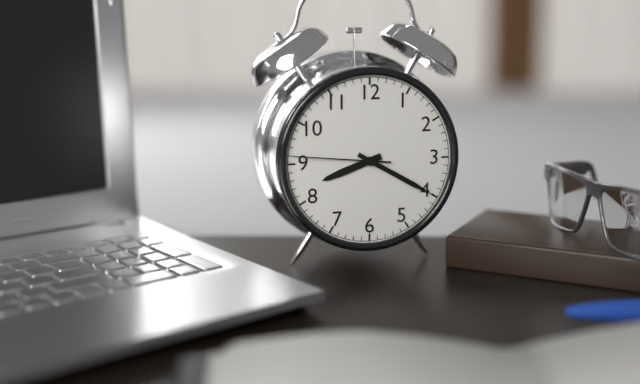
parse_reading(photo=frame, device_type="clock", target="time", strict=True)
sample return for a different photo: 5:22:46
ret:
8:20:46
